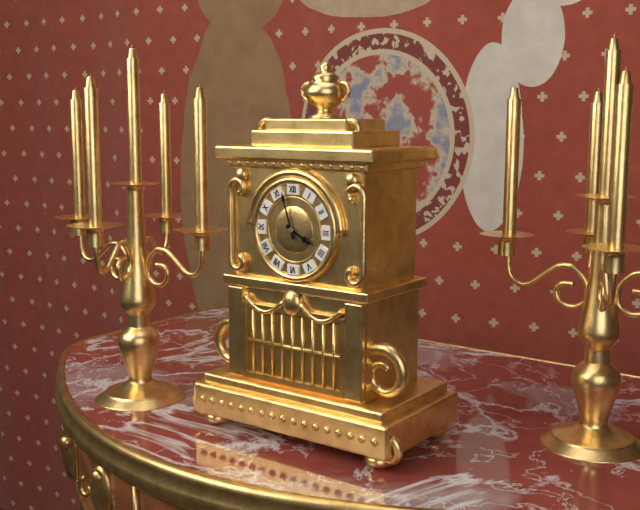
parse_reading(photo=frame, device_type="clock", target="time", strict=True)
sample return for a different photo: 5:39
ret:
3:57
